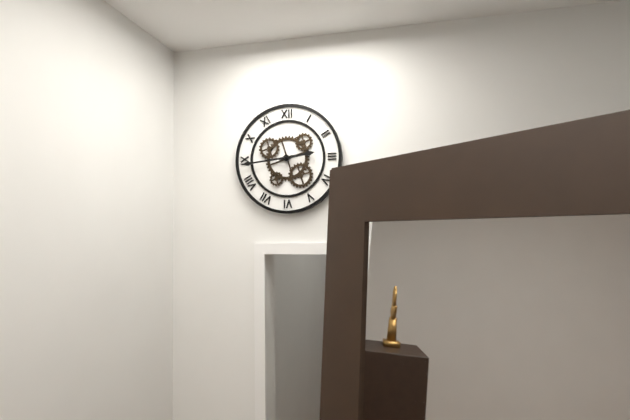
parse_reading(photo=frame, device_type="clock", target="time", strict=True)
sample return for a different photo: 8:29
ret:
2:44
